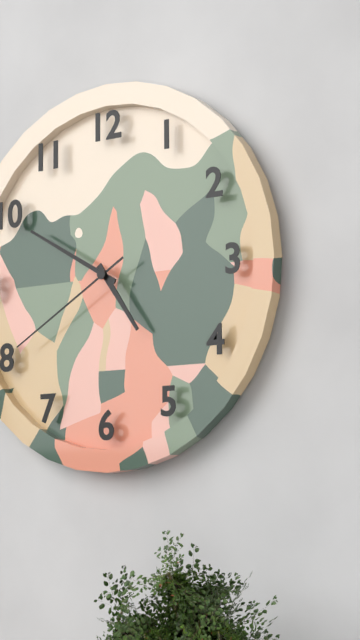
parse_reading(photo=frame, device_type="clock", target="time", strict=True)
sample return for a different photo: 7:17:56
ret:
4:50:40
